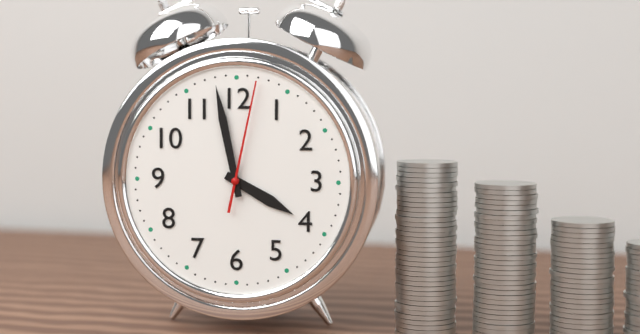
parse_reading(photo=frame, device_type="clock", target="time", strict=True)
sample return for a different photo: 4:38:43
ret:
3:58:02
